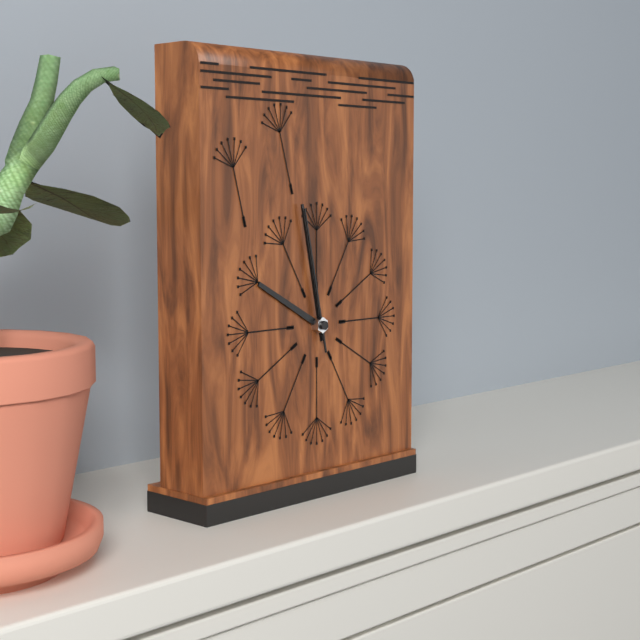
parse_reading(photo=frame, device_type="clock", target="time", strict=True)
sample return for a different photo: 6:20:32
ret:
9:58:58
